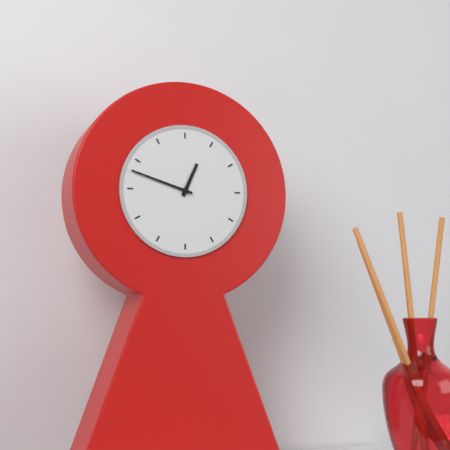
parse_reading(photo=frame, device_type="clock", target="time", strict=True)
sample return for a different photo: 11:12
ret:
12:48
